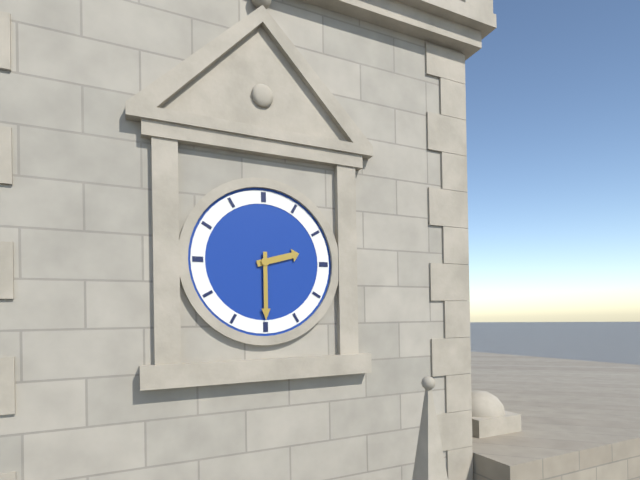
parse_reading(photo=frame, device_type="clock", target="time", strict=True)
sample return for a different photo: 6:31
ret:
2:30
